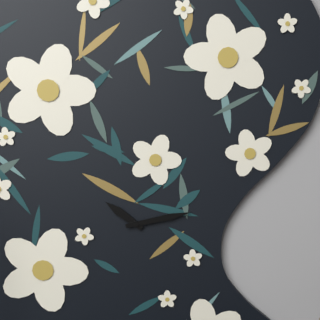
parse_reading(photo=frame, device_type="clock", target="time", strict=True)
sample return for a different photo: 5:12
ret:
10:13
